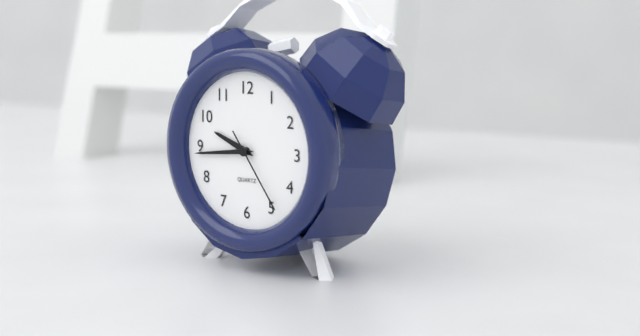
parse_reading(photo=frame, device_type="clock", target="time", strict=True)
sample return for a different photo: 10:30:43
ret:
9:44:24
